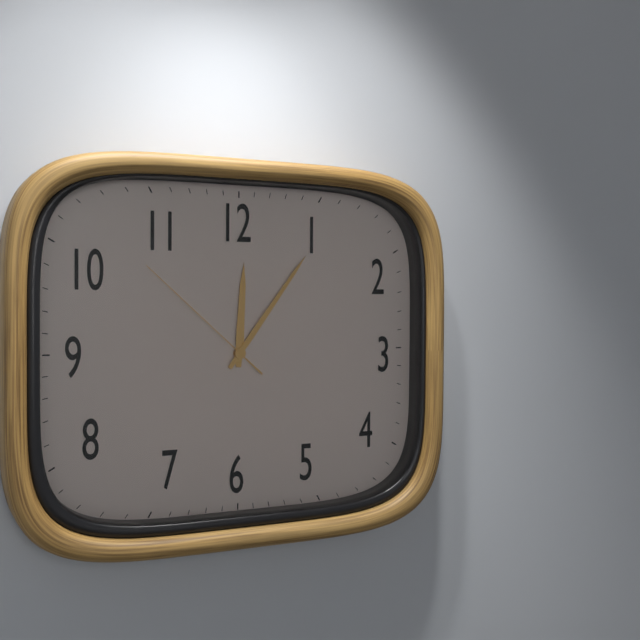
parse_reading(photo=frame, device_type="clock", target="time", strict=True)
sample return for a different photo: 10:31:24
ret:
12:06:52
